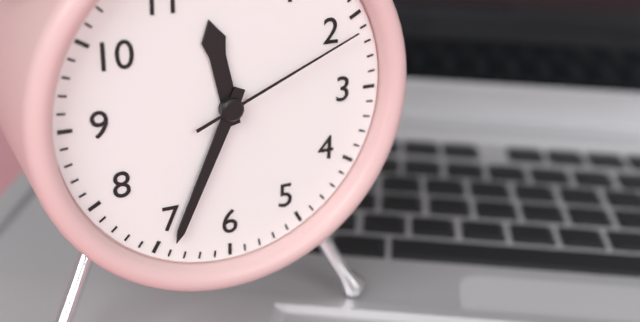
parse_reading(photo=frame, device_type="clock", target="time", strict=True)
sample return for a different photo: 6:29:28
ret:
11:34:11
